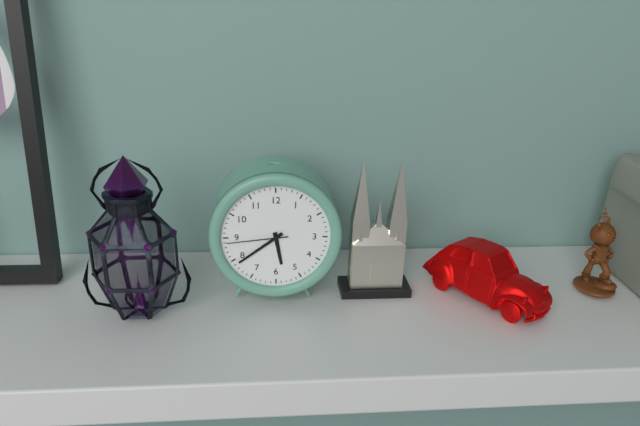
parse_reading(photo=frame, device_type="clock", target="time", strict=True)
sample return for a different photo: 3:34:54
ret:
5:39:44
